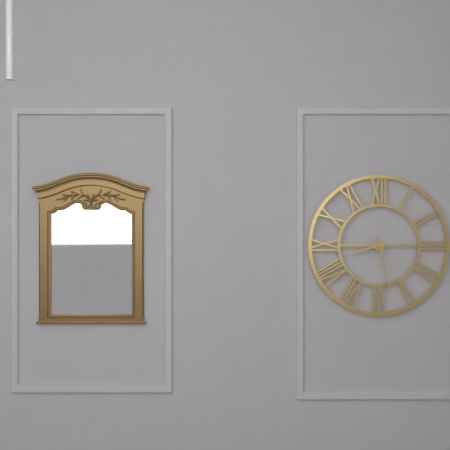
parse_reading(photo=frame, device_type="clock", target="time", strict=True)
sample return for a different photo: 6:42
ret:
8:28
